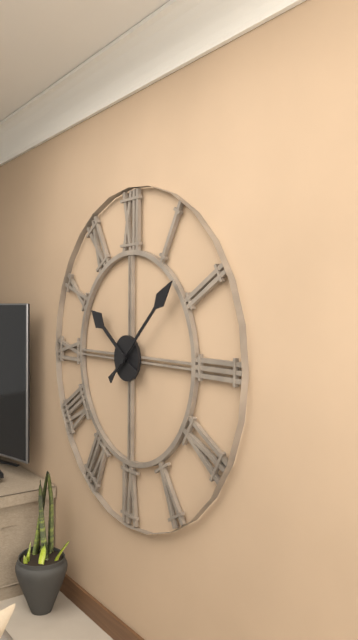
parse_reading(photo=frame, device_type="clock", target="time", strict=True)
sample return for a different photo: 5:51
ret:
10:08
